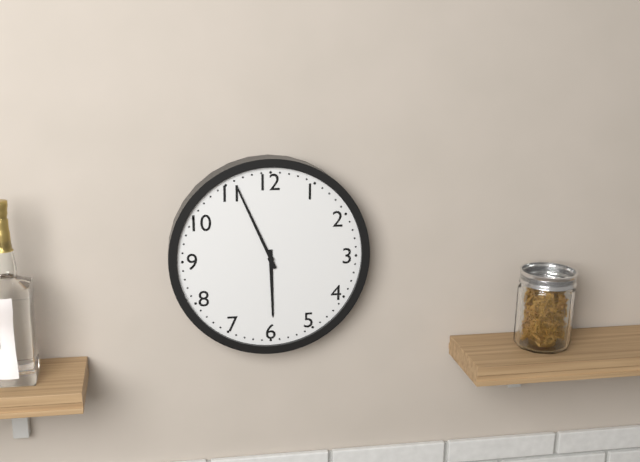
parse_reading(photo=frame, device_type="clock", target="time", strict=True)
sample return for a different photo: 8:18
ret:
5:56
